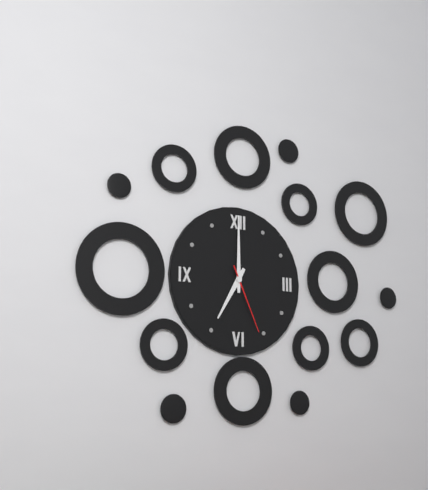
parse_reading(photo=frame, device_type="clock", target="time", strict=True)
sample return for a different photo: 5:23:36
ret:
7:00:26
